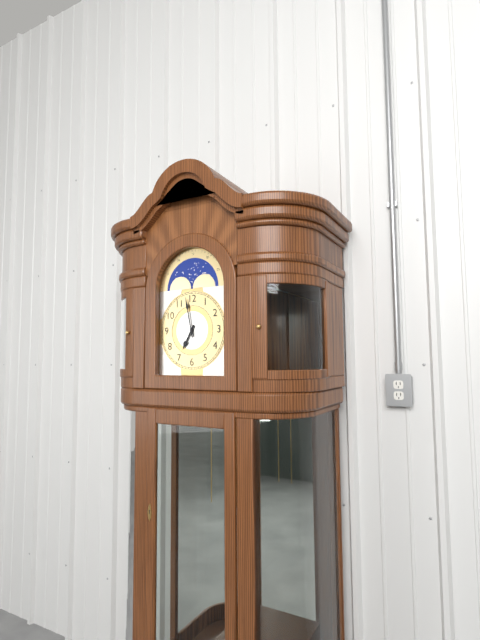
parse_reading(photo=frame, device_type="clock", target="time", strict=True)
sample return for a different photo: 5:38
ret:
6:58
